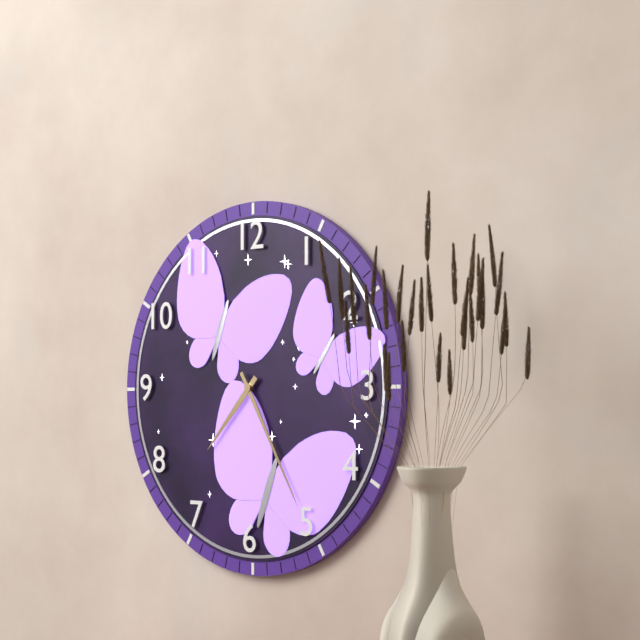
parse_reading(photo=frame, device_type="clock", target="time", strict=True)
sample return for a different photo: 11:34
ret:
7:25
